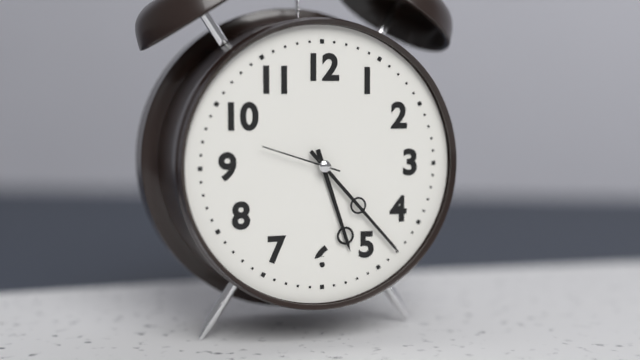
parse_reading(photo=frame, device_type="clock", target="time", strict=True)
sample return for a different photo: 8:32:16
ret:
5:23:48
